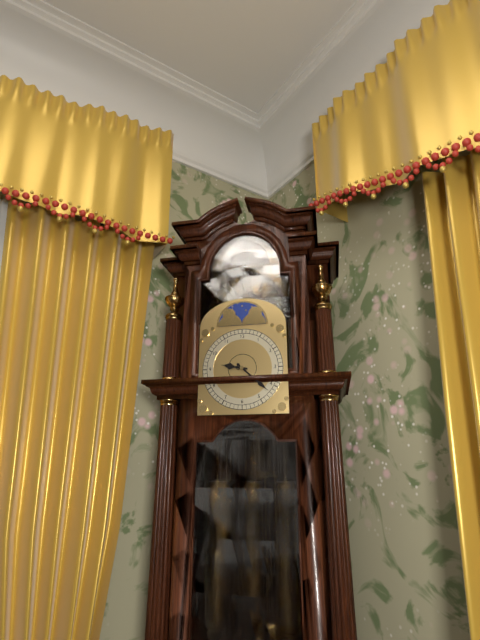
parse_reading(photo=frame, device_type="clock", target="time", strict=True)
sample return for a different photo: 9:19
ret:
9:22
